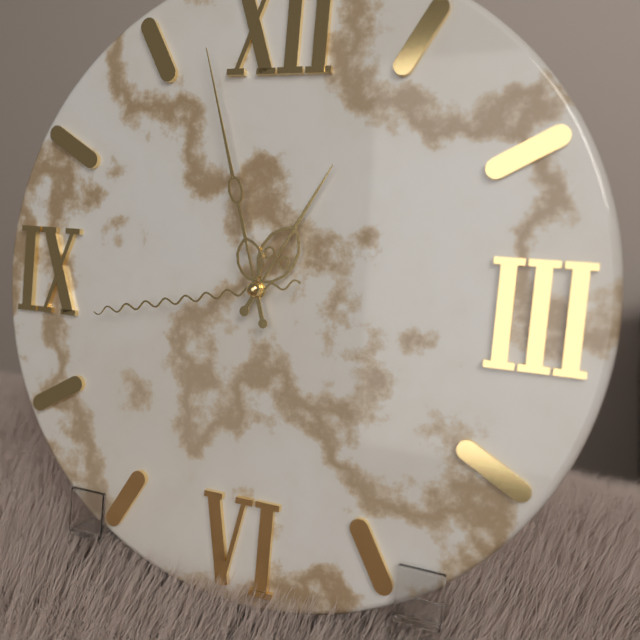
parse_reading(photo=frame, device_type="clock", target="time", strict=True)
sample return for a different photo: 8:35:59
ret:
12:57:43
